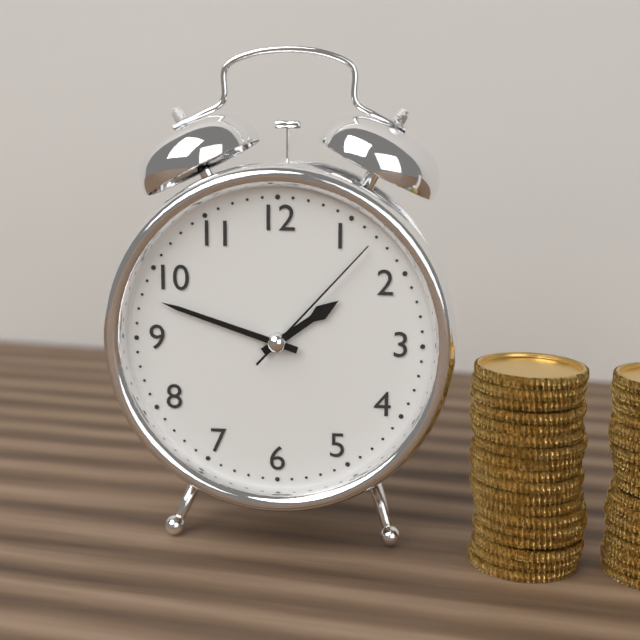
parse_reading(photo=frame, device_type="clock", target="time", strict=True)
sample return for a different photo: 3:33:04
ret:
1:48:07
